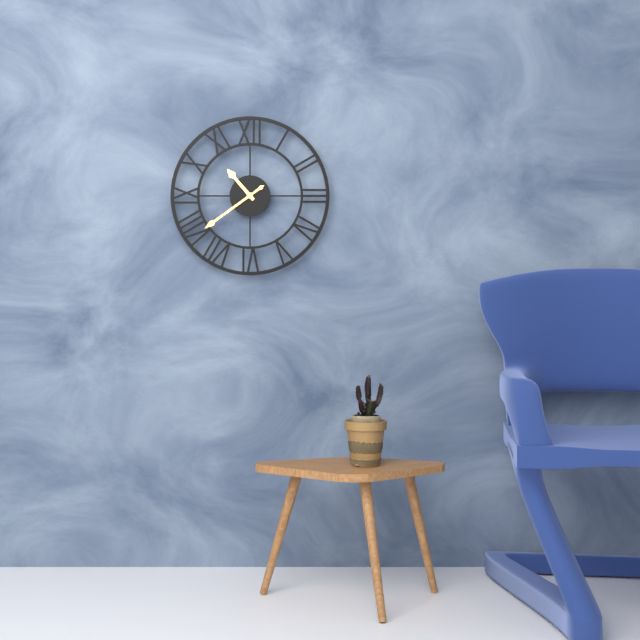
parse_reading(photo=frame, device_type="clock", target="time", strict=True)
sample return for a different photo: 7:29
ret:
10:39
